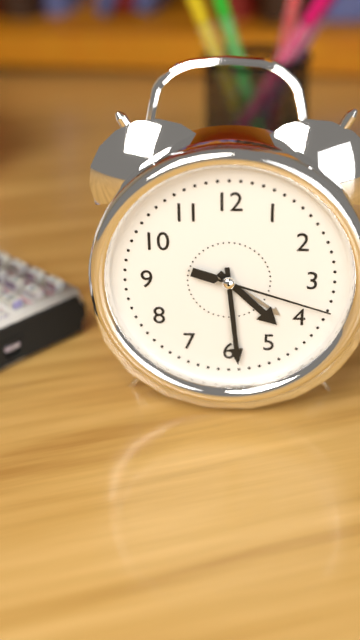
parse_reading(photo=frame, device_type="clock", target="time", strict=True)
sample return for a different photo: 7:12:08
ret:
4:29:18
